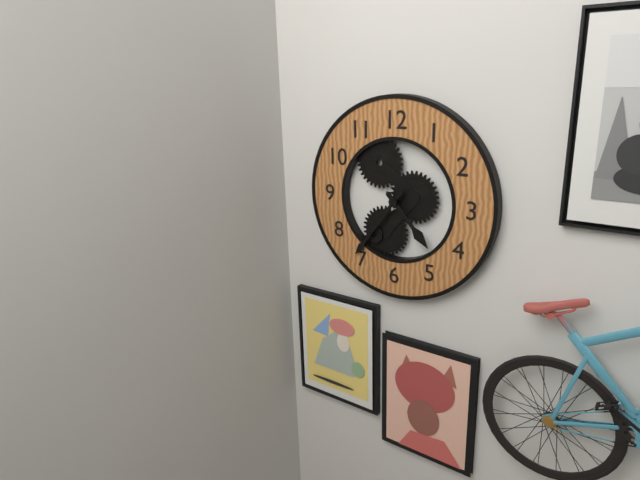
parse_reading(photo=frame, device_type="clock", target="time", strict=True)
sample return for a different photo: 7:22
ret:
4:36
